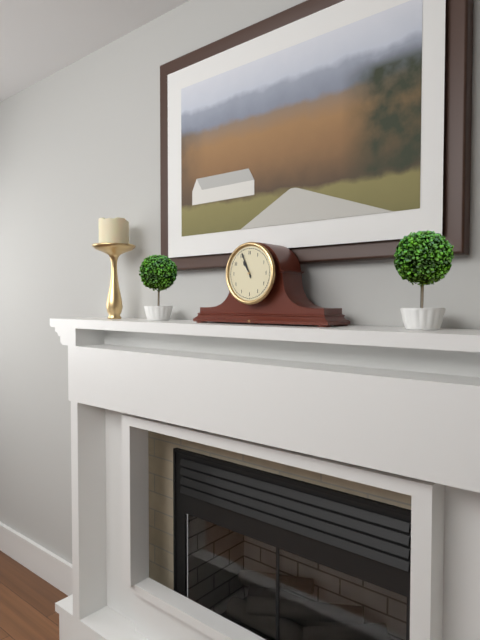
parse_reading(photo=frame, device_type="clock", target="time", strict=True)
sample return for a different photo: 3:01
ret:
10:56
